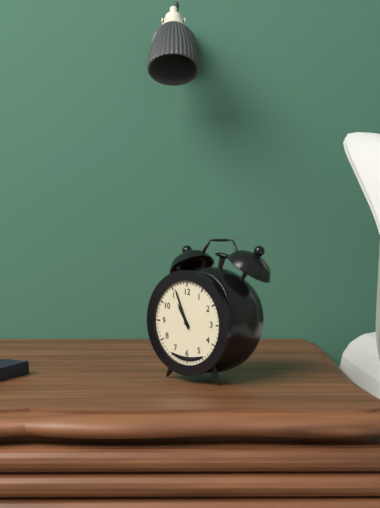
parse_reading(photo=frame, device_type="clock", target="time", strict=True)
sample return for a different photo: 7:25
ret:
10:56
